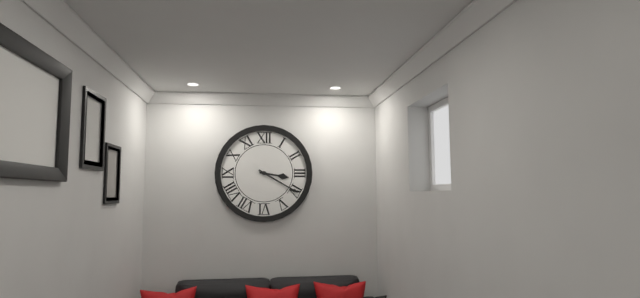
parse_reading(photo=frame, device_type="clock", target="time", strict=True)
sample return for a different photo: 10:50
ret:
3:20
